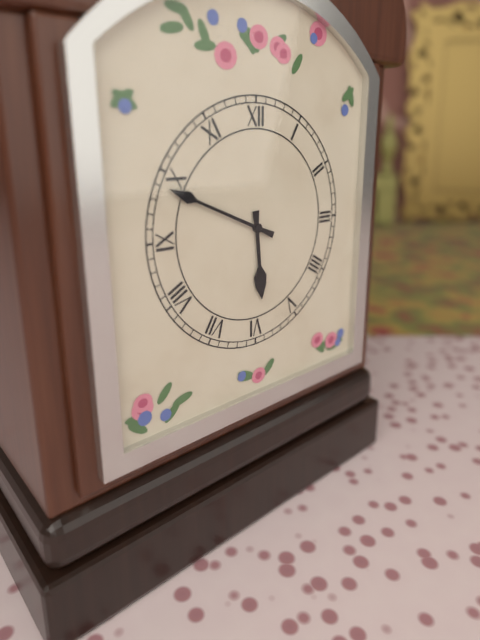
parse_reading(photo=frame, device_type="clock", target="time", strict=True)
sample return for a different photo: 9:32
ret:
5:49
